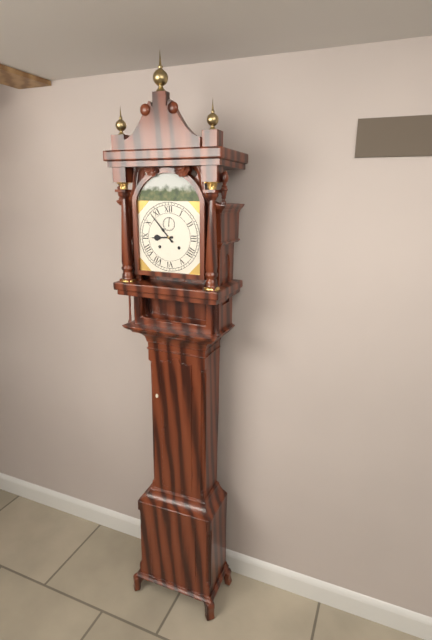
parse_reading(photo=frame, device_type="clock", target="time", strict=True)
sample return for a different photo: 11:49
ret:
8:53
